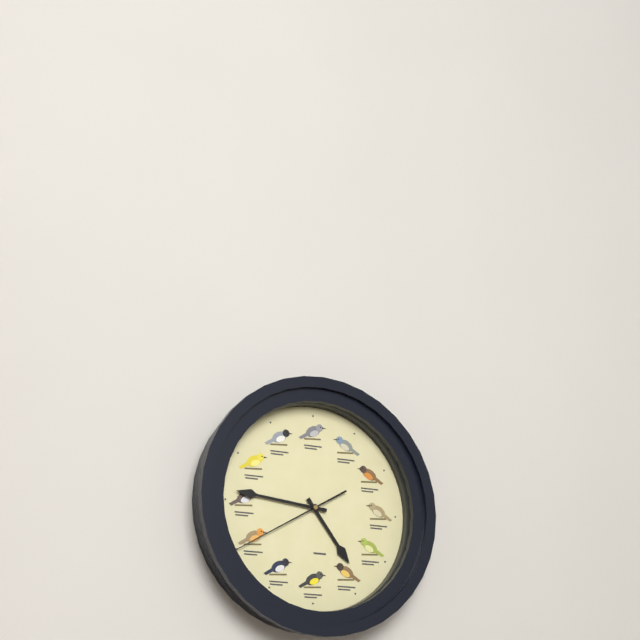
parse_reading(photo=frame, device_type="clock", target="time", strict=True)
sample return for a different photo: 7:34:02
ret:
4:46:40
